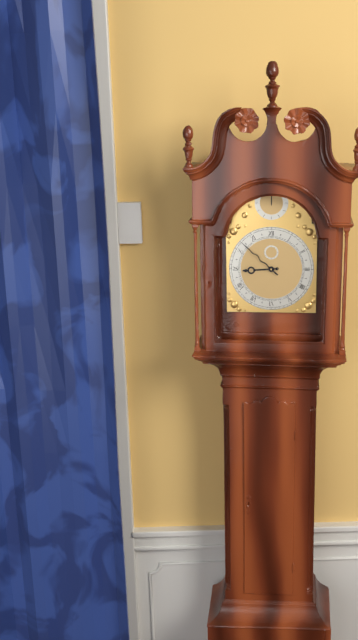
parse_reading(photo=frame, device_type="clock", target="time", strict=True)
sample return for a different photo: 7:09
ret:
8:52
